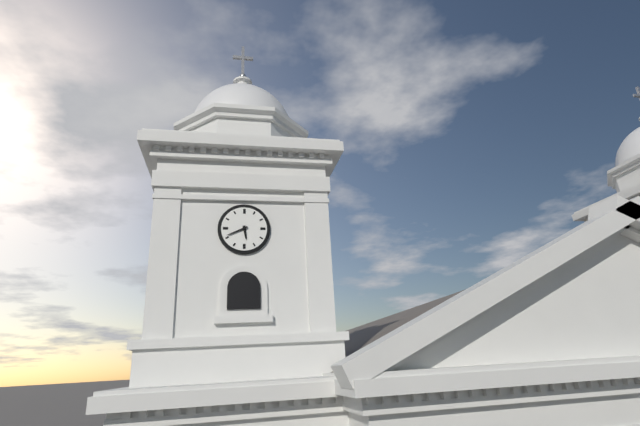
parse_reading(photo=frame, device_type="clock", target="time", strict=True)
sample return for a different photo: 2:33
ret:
5:41
